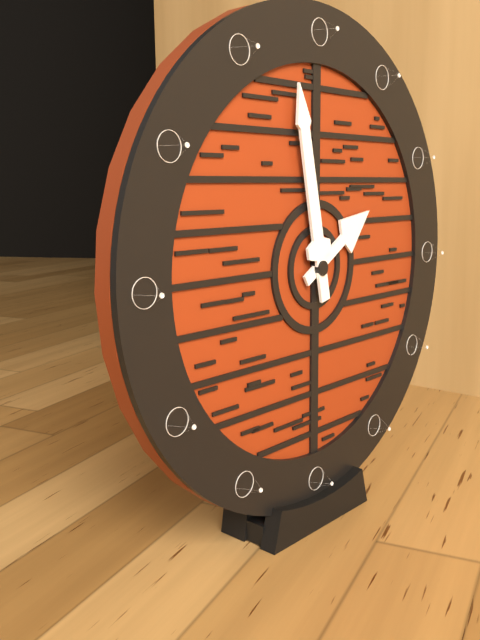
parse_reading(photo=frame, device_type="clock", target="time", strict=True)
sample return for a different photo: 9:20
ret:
1:58
